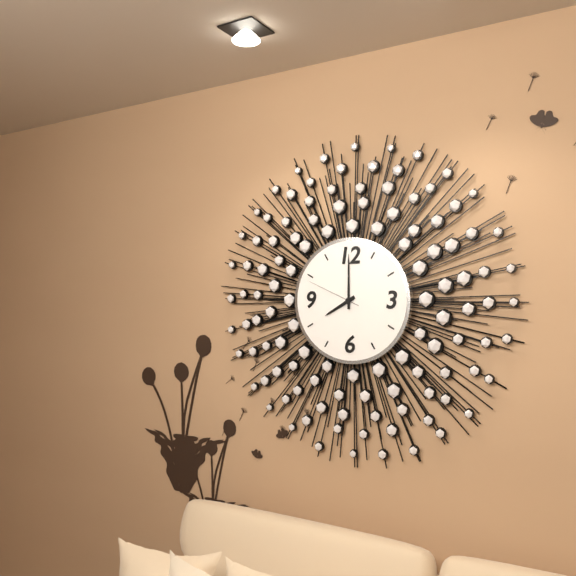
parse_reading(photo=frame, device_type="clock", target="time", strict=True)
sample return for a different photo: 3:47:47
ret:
8:00:49
